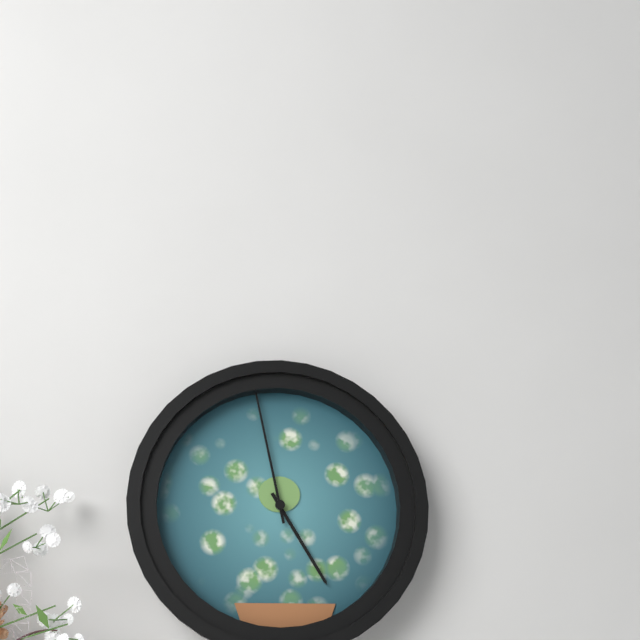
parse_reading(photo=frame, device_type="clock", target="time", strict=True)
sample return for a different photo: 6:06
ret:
4:58
